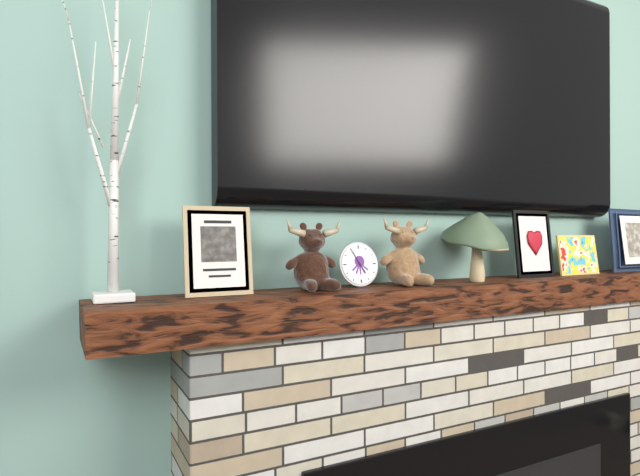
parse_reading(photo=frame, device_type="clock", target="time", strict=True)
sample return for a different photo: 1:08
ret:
4:55
